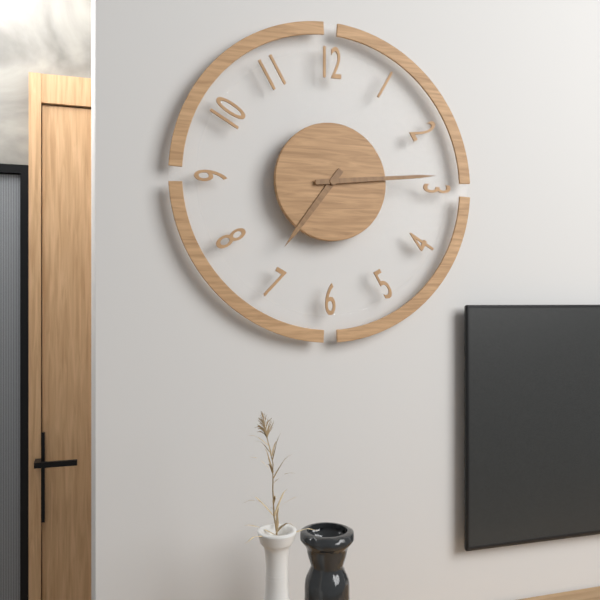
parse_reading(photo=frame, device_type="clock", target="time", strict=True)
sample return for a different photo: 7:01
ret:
7:14
